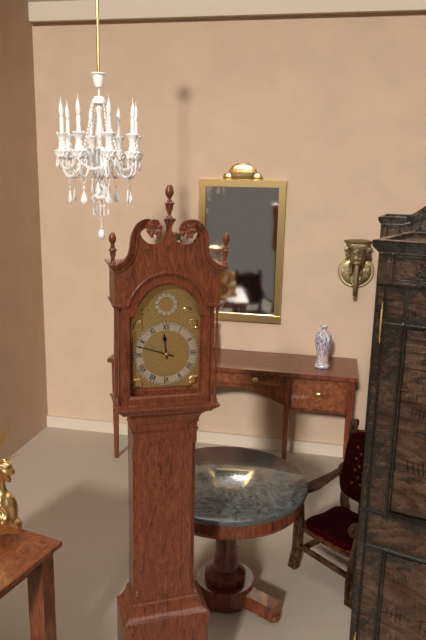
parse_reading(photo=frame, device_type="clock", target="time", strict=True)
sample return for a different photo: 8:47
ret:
11:48
